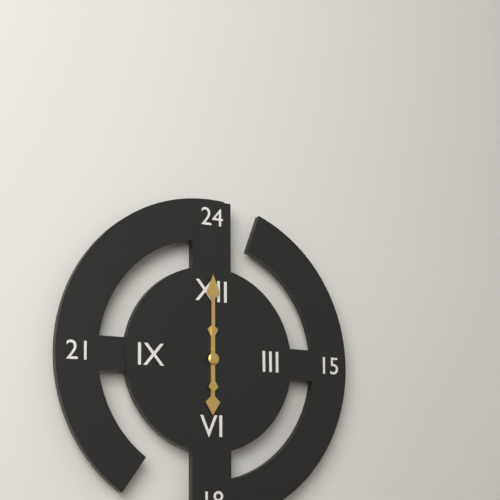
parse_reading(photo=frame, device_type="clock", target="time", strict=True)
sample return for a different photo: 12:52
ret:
6:00
